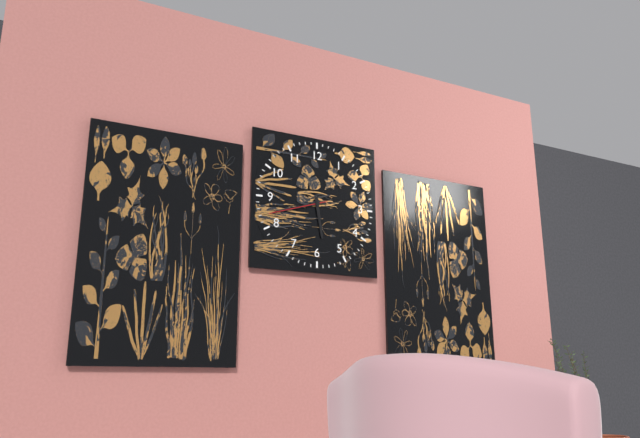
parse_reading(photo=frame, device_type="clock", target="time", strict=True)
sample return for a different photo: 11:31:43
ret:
5:42:42
